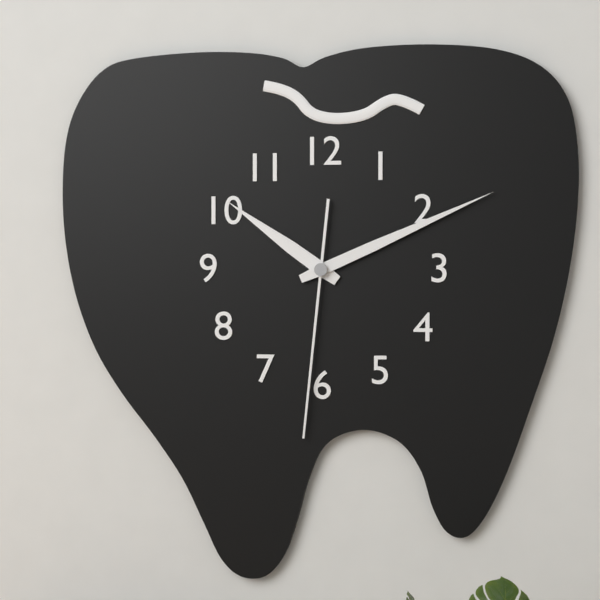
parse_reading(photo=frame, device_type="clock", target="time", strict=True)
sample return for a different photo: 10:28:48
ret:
10:11:31
